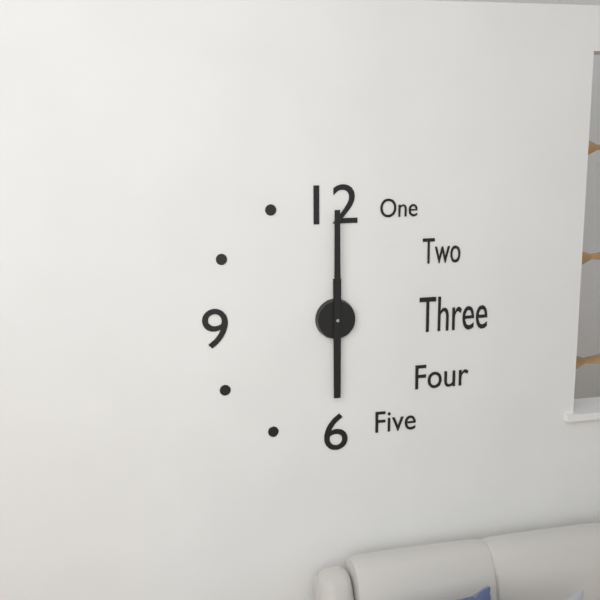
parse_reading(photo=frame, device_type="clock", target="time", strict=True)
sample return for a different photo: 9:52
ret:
6:00
